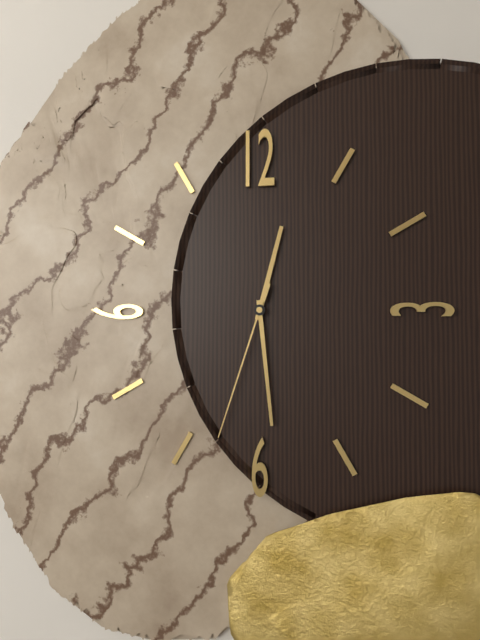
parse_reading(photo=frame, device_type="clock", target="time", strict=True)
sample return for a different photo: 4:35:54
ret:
12:29:33
